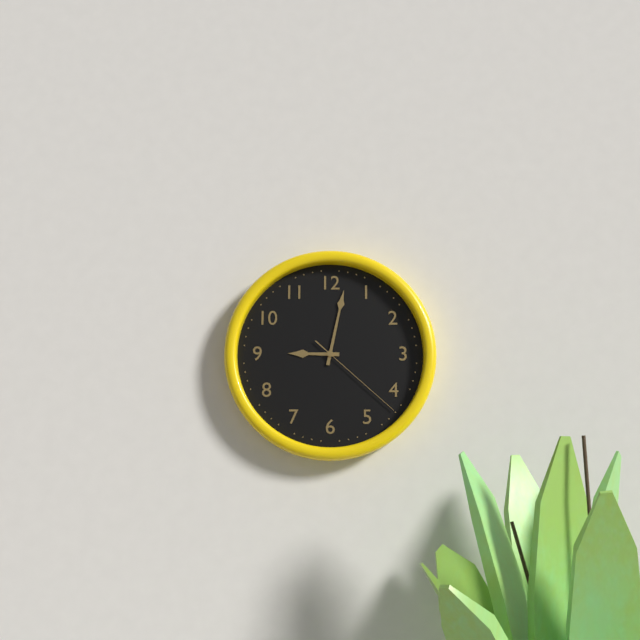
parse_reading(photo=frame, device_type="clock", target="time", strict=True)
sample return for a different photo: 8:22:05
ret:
9:02:22
